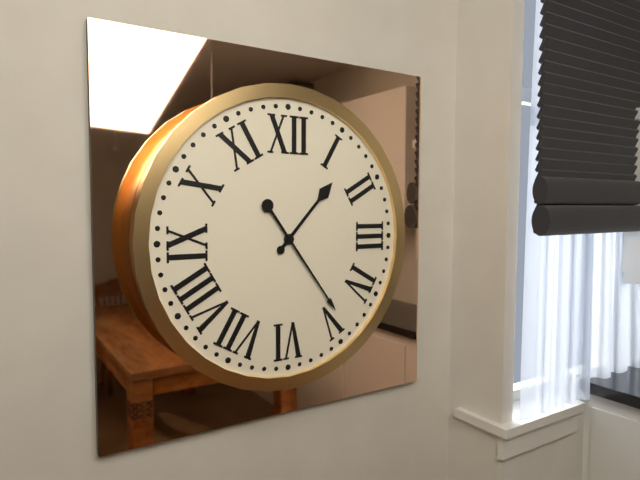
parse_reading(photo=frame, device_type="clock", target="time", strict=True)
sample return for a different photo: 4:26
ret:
1:24
